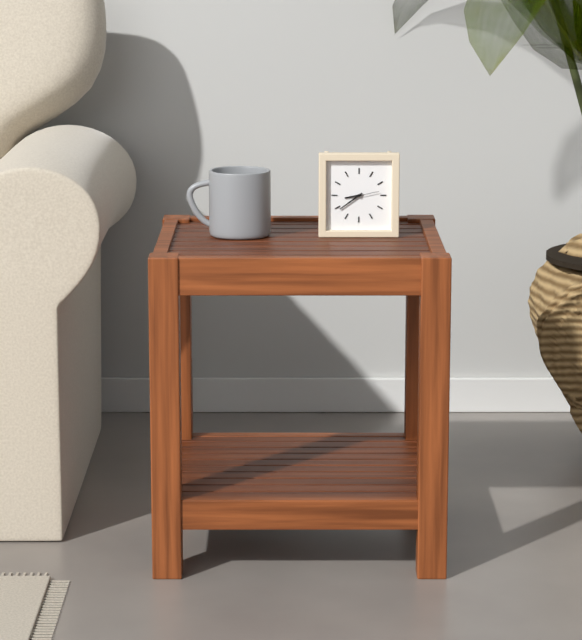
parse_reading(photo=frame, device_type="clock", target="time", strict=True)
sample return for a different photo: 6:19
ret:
8:39
